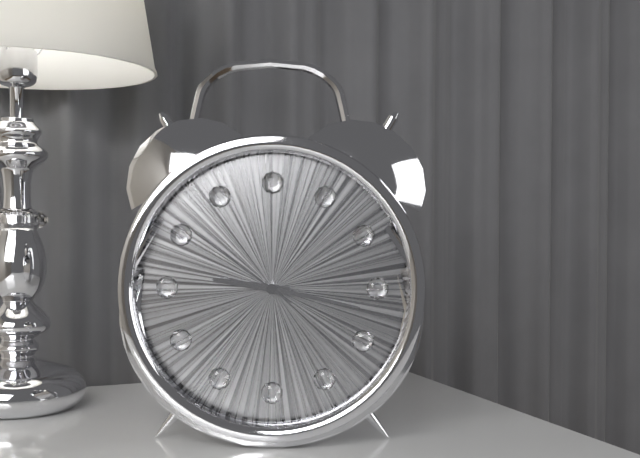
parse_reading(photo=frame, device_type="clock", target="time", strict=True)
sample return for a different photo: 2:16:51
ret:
9:17:51
